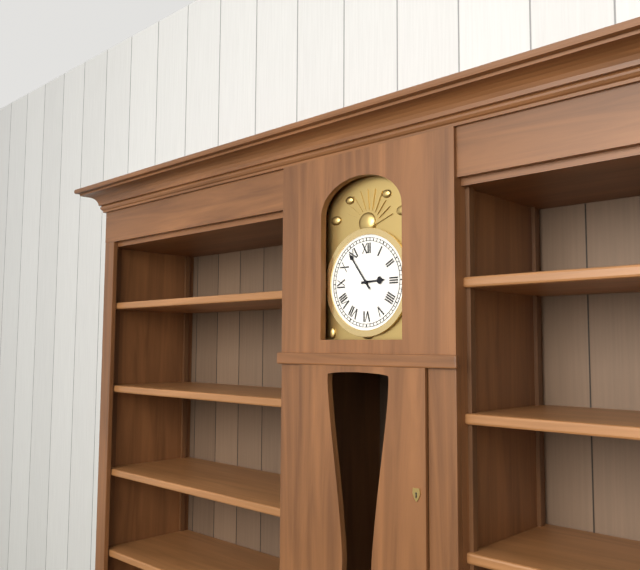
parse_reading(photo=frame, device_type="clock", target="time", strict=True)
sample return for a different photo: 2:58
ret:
2:54
